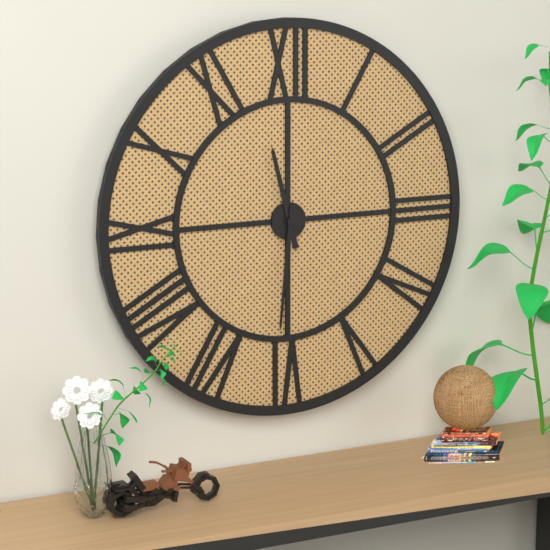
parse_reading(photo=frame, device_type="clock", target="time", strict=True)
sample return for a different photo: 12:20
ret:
11:31
